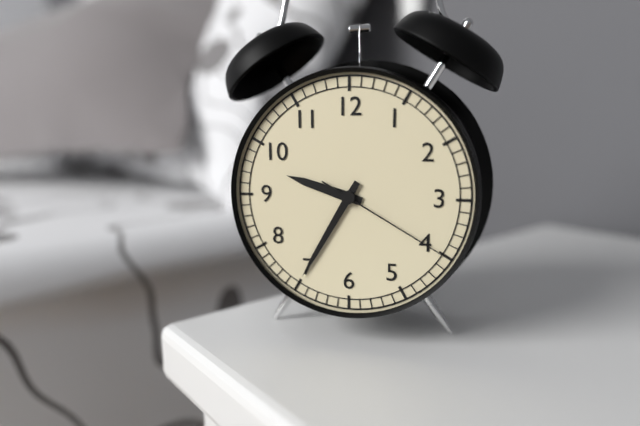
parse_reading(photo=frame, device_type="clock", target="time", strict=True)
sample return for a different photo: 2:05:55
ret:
9:35:20
